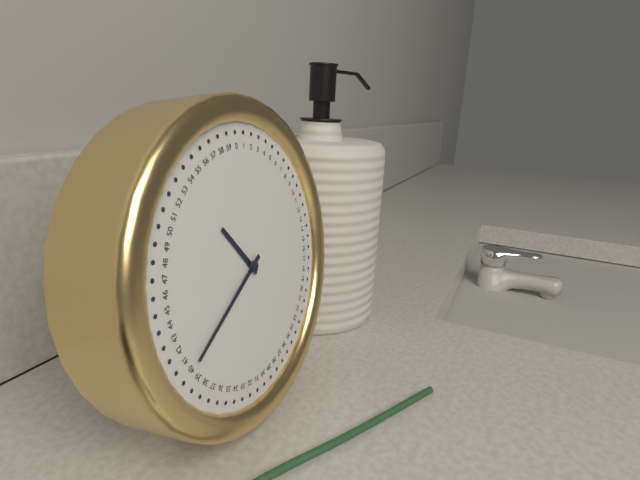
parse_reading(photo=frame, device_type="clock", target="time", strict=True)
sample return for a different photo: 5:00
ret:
10:40
